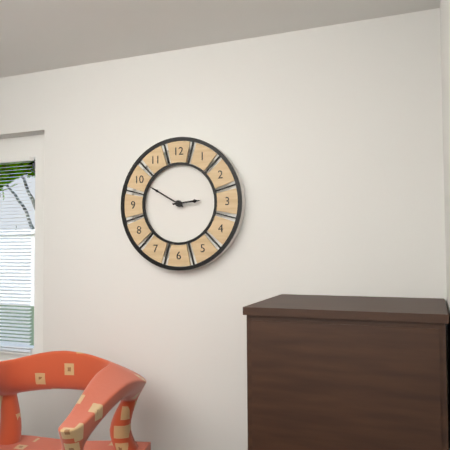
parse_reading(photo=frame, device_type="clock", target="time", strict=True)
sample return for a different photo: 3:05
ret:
2:50
